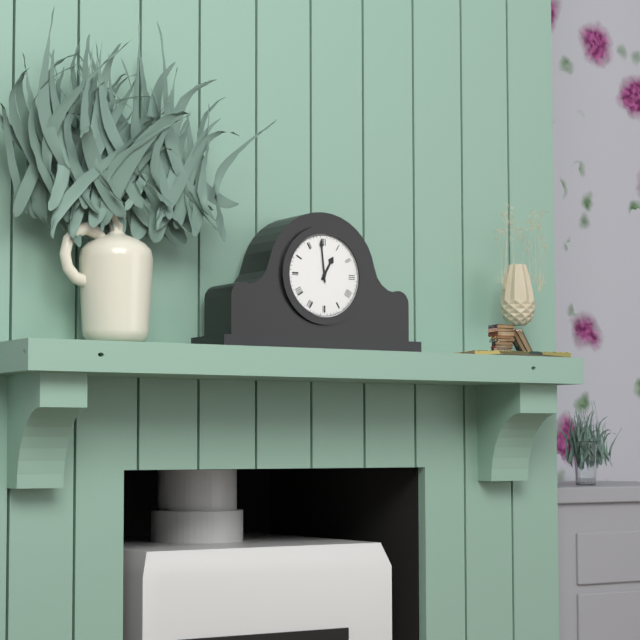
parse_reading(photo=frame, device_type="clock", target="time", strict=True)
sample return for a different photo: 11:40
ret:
12:59
